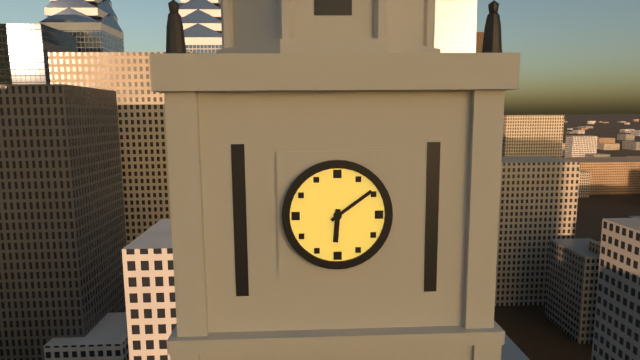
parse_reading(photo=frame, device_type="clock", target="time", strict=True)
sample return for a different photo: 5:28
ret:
6:09
